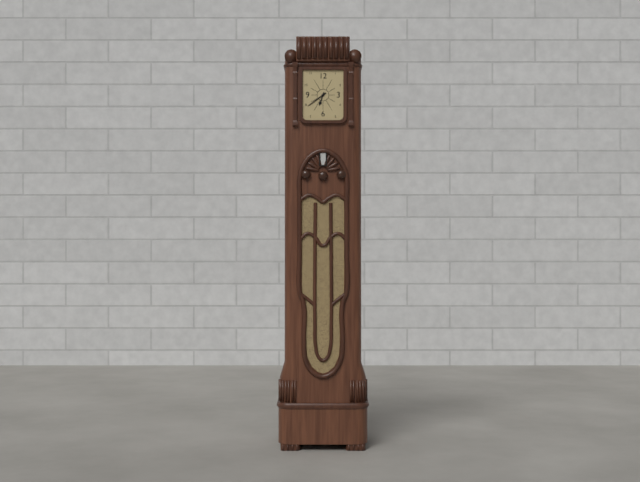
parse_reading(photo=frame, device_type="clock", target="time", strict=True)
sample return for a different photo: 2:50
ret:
6:39
